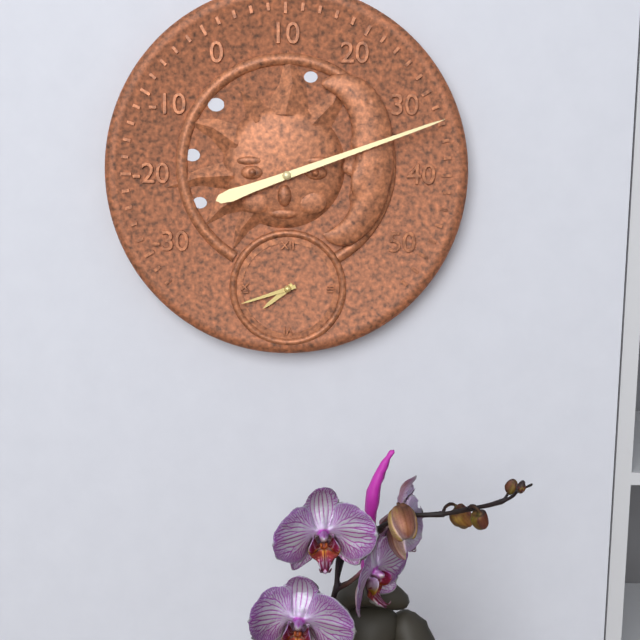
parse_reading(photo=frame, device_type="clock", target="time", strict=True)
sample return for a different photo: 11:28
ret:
7:42
